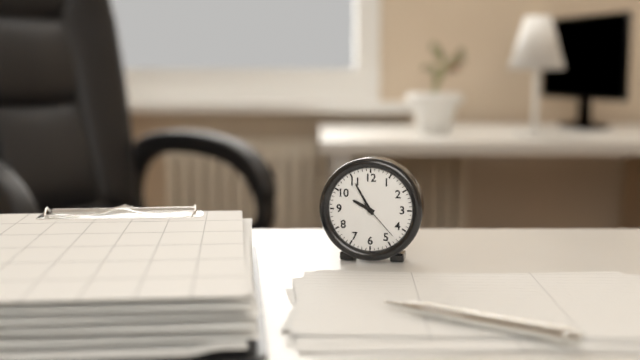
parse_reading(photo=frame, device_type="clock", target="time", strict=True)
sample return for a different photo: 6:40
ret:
9:55
